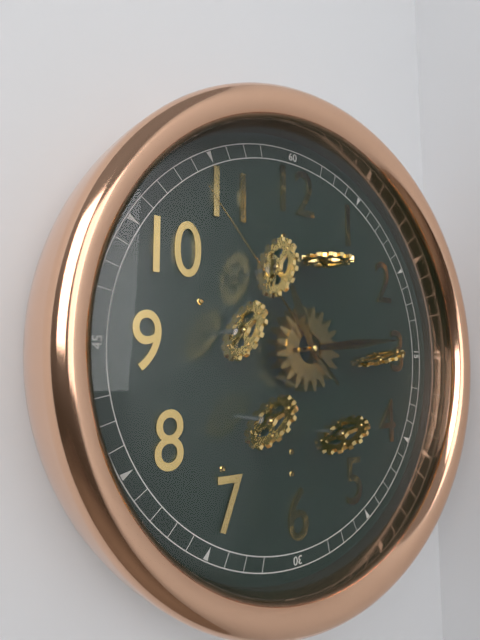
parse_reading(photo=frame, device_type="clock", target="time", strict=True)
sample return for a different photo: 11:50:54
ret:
11:14:53
